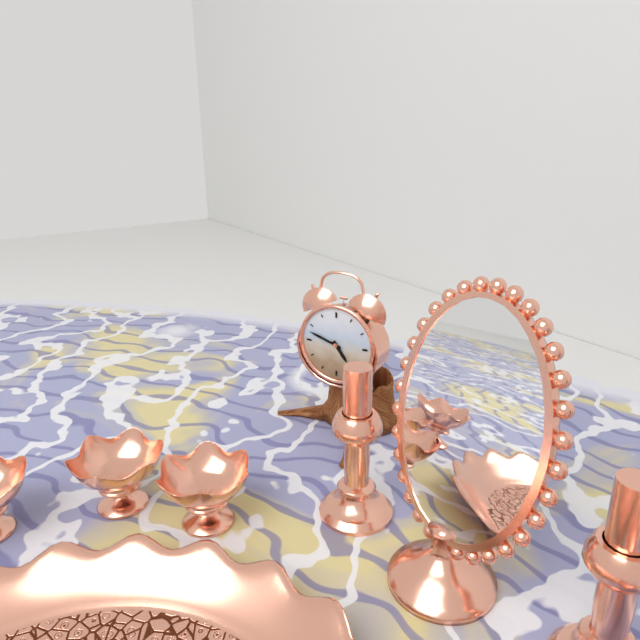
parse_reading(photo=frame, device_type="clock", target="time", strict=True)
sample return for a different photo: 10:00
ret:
4:48
